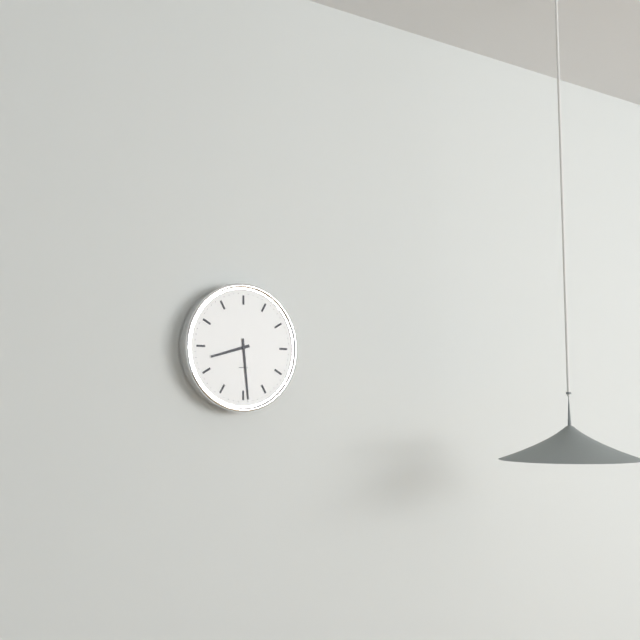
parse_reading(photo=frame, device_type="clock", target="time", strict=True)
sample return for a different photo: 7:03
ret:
8:29
